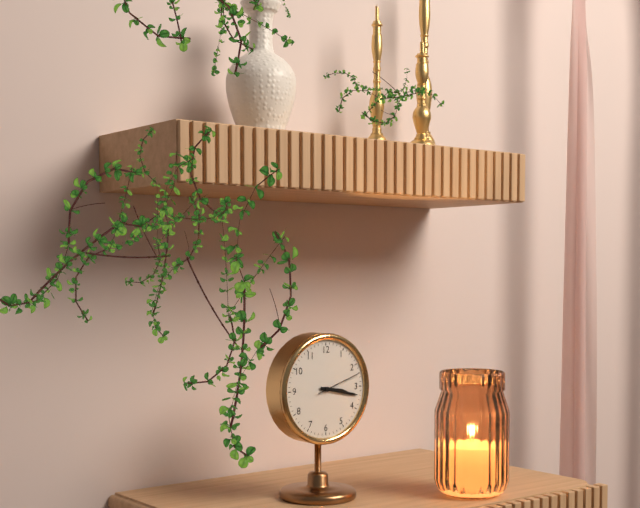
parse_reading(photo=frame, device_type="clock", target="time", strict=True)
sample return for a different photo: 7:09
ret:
3:17
